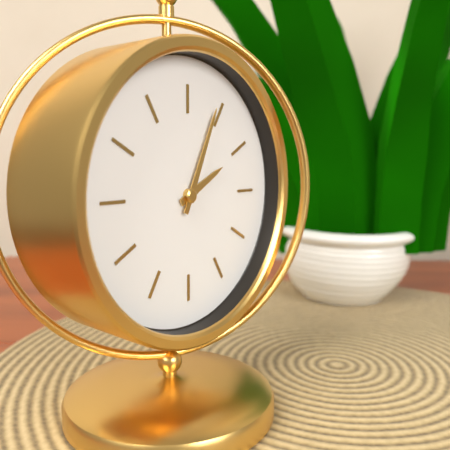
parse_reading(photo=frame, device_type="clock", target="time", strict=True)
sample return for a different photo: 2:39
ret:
2:04
